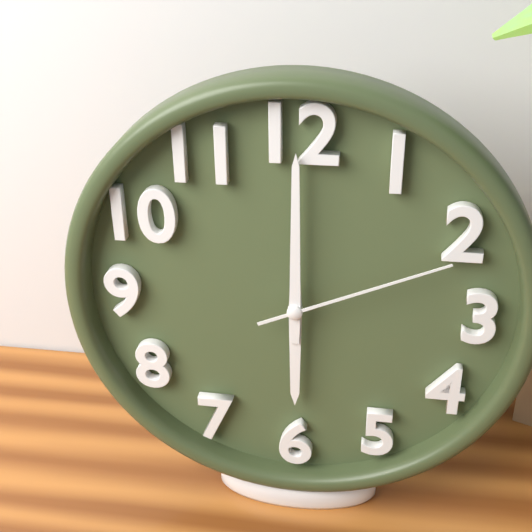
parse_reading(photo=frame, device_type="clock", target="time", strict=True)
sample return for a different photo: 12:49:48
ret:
6:00:11
